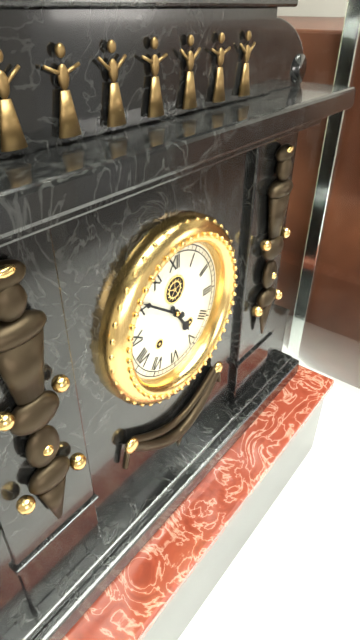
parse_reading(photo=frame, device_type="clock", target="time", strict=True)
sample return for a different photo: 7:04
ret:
4:51
